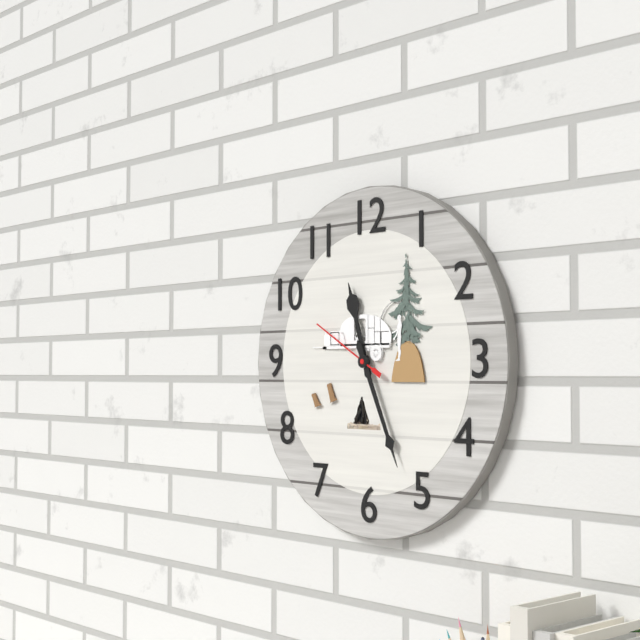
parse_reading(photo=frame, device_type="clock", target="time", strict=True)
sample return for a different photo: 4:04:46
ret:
11:26:50
